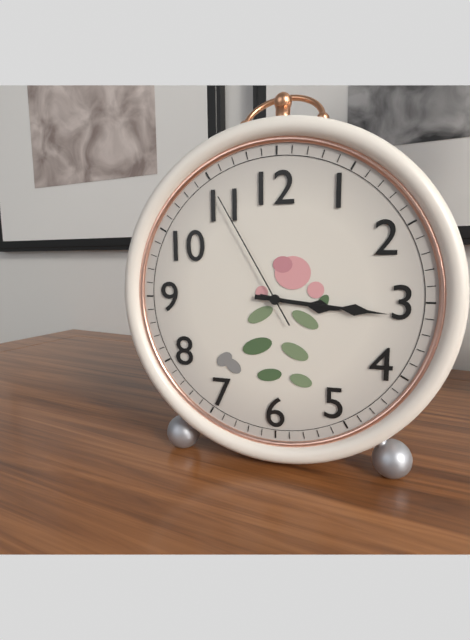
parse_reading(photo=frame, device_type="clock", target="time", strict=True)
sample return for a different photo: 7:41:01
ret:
3:16:55
